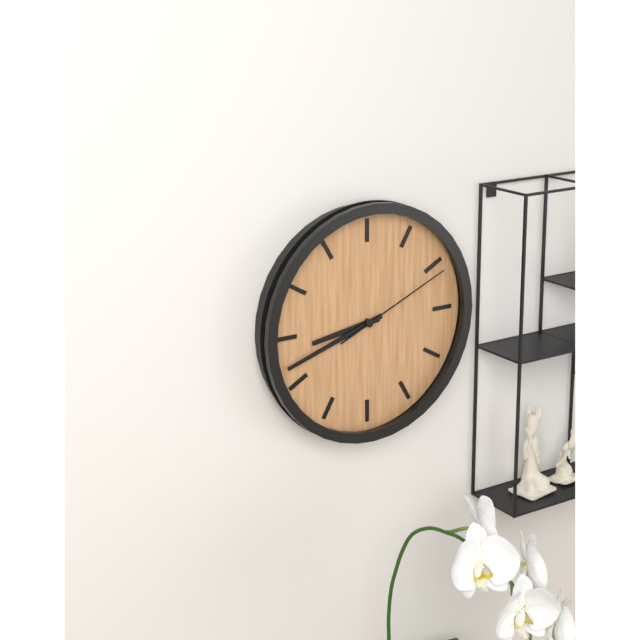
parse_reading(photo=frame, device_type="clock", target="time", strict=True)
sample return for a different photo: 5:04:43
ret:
8:42:11
